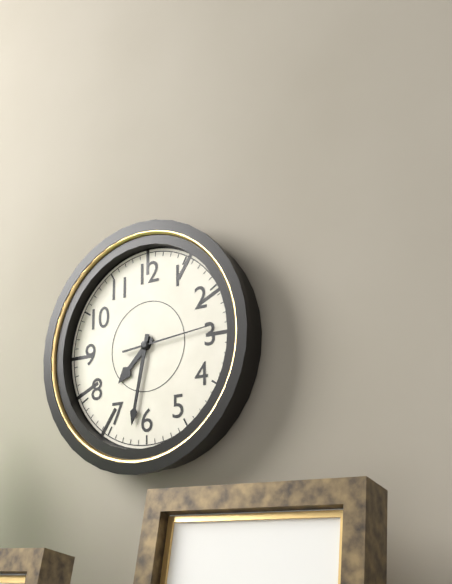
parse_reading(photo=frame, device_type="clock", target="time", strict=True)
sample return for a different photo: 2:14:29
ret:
7:32:14
